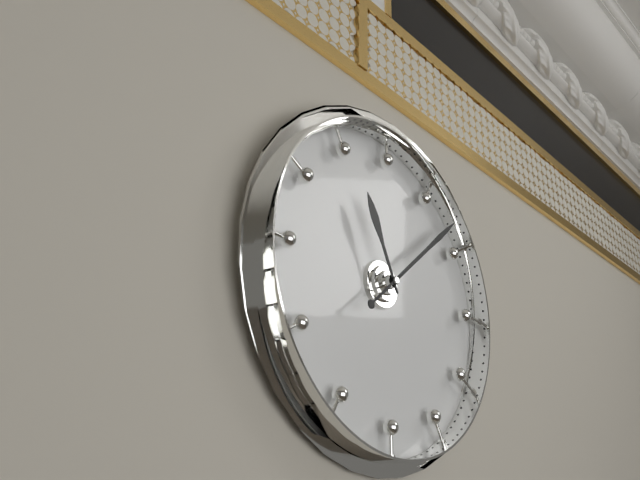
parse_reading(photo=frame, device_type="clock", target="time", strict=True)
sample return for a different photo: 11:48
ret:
11:08
